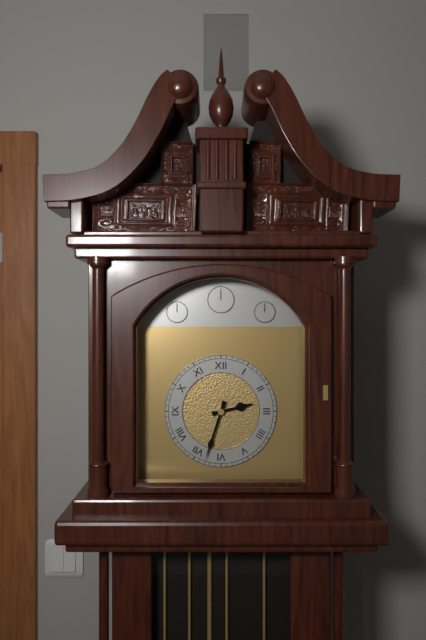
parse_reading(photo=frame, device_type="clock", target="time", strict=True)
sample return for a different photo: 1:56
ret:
2:33
